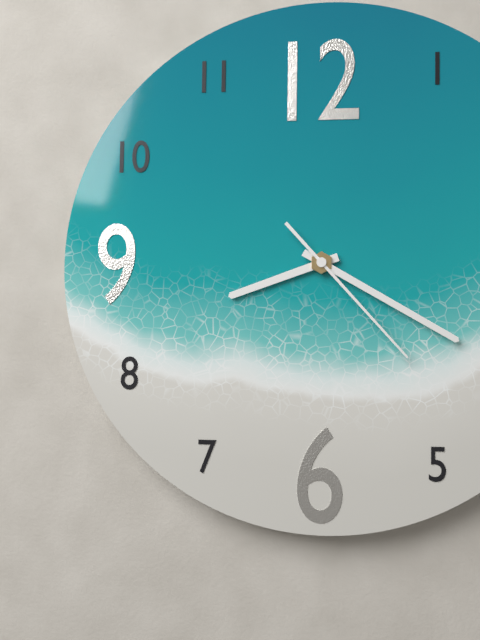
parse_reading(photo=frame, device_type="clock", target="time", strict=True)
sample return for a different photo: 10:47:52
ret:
8:20:23
